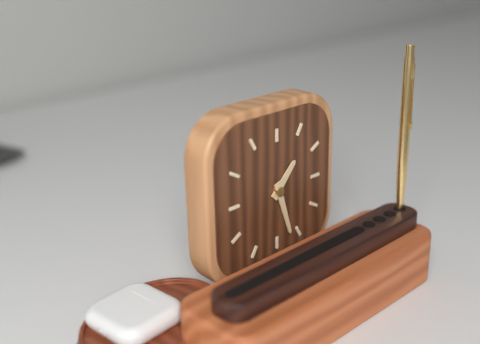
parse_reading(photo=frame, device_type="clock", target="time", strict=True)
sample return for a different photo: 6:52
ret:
1:27
